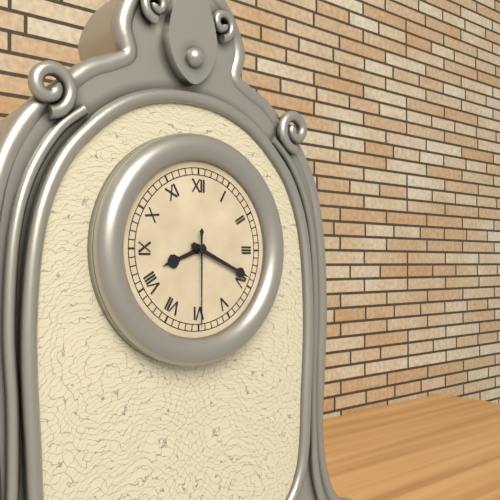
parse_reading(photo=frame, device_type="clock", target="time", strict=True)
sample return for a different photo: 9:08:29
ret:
8:19:30
